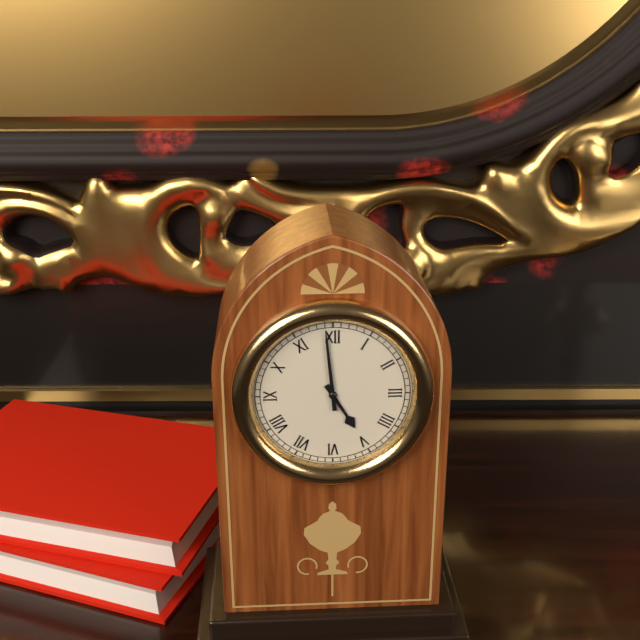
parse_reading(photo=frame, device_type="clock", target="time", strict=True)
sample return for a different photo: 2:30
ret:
4:59
